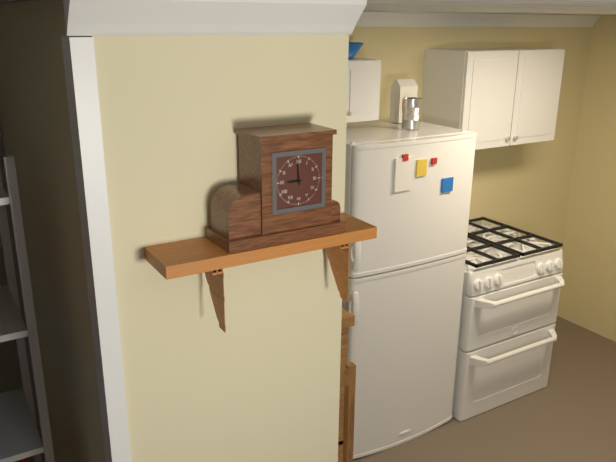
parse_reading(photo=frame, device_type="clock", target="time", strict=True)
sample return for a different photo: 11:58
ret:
8:59
